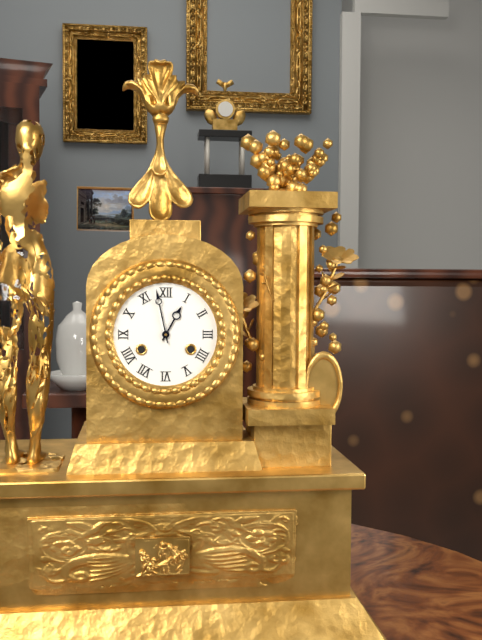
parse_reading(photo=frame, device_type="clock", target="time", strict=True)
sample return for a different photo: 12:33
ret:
12:58
